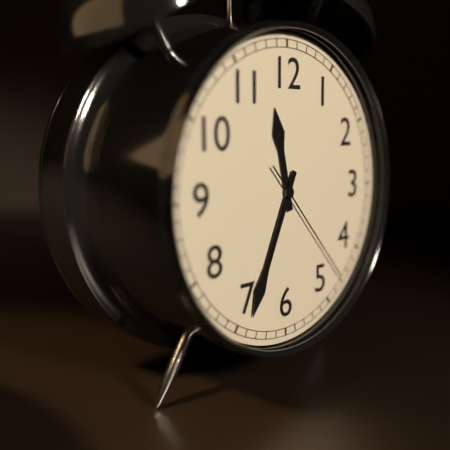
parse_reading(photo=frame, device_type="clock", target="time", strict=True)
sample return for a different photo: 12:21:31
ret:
11:34:23
